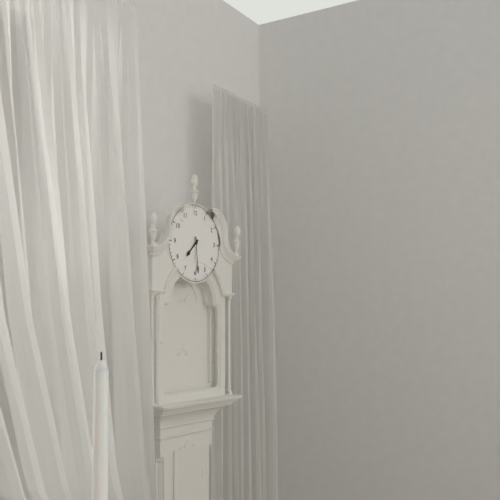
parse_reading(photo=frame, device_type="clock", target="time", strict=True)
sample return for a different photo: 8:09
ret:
7:29
